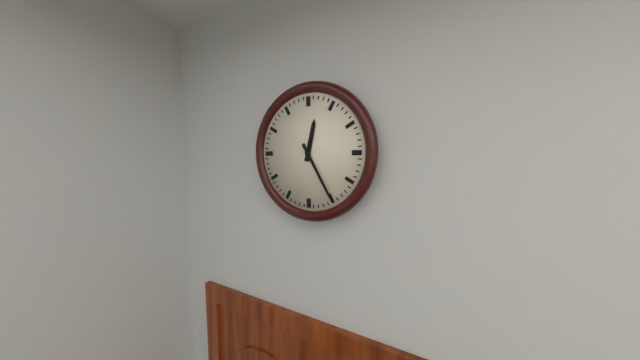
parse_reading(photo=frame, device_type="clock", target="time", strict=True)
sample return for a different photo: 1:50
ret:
12:25
